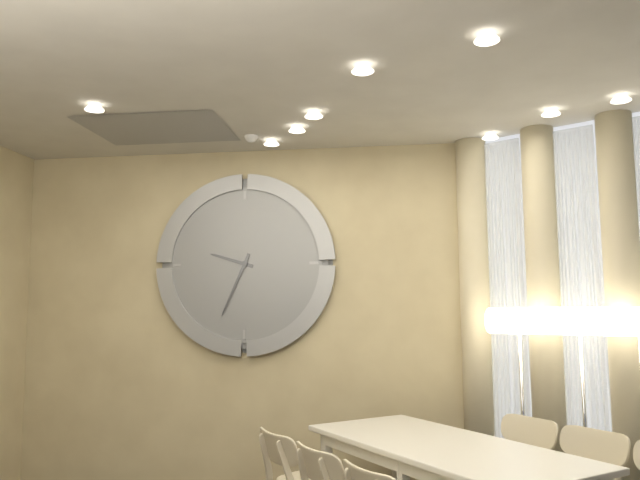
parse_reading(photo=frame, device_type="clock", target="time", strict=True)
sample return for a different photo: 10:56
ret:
9:34
